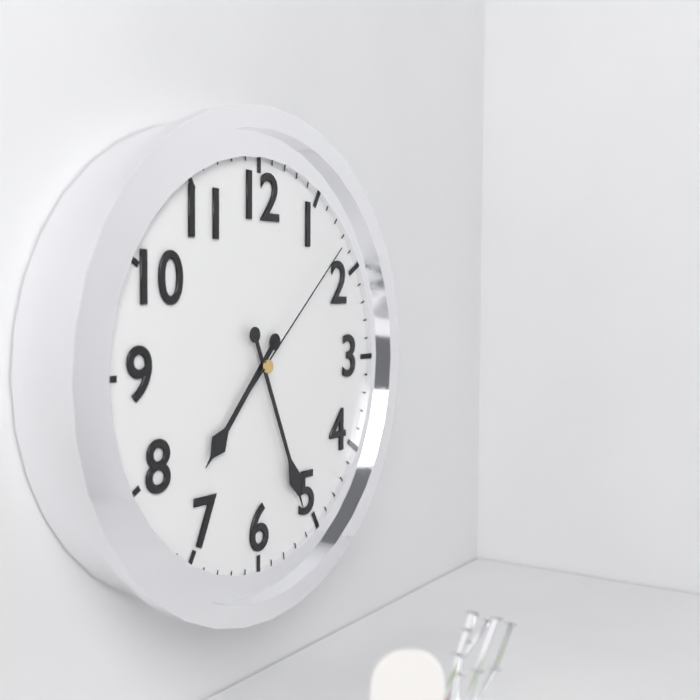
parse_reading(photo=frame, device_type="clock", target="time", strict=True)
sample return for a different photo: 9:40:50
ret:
7:26:08
